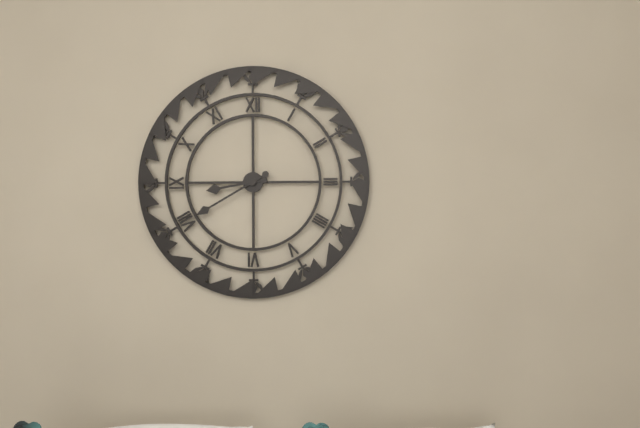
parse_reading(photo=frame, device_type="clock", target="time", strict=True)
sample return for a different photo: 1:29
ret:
8:40
